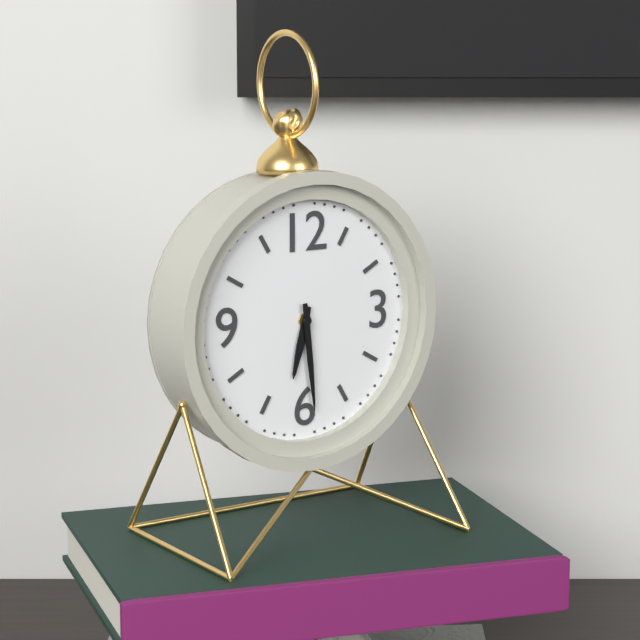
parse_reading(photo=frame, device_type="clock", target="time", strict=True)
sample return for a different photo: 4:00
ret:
6:29
